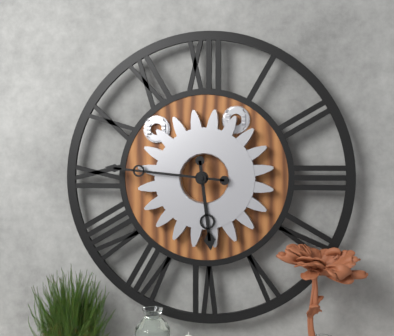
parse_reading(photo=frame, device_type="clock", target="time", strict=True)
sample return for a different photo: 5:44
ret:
5:46
